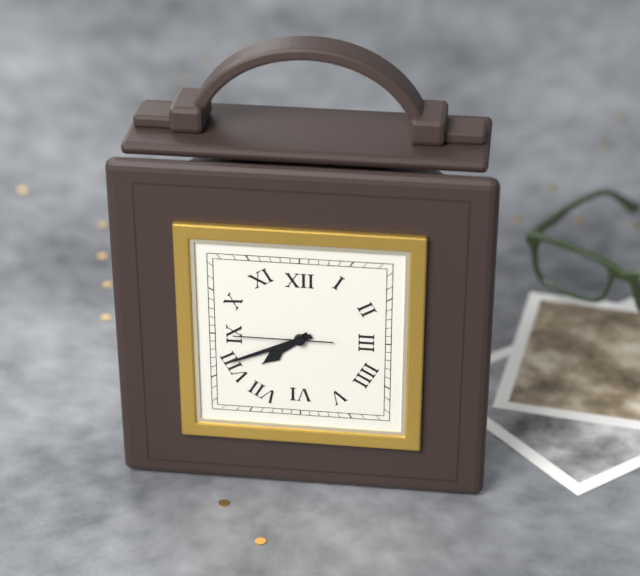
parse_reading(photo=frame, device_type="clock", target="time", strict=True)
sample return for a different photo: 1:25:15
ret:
7:41:45
